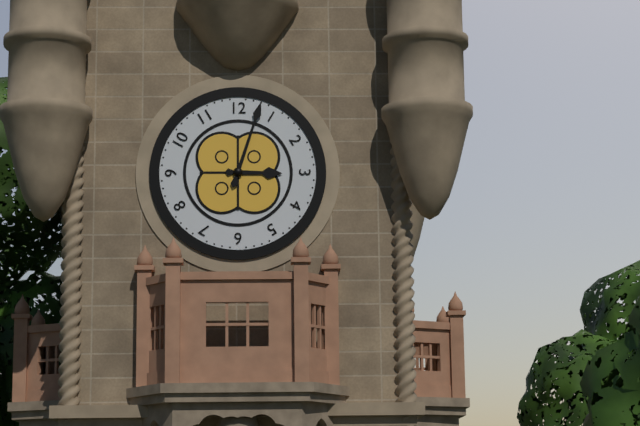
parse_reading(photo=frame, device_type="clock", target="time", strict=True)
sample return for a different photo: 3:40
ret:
3:03
